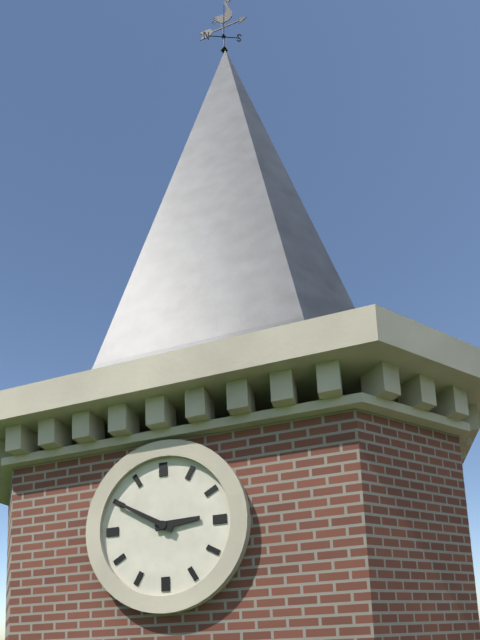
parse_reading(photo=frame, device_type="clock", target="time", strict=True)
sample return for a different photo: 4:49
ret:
2:50
